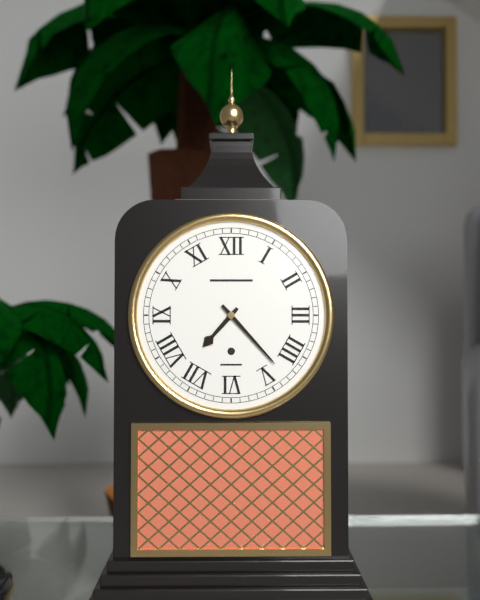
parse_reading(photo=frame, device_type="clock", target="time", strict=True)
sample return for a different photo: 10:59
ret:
7:23
